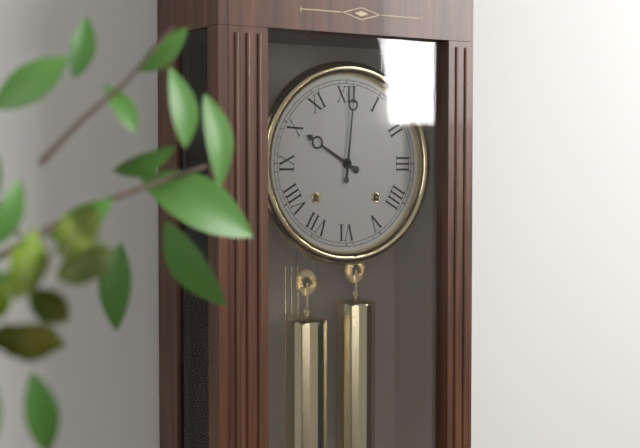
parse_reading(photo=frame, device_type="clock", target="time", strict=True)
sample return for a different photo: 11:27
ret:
10:01
